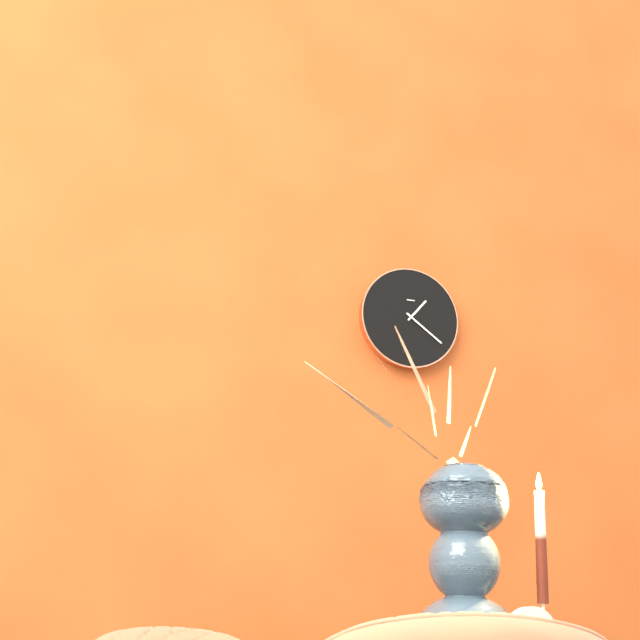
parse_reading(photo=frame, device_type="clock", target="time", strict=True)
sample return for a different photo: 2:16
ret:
1:21
